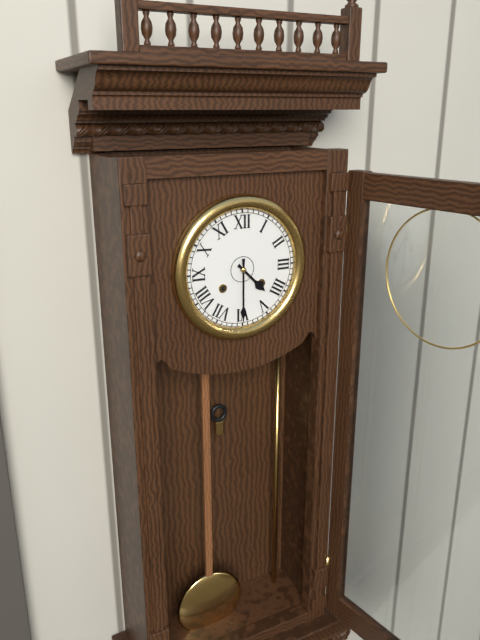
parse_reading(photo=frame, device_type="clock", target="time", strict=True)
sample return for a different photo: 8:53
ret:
4:30
